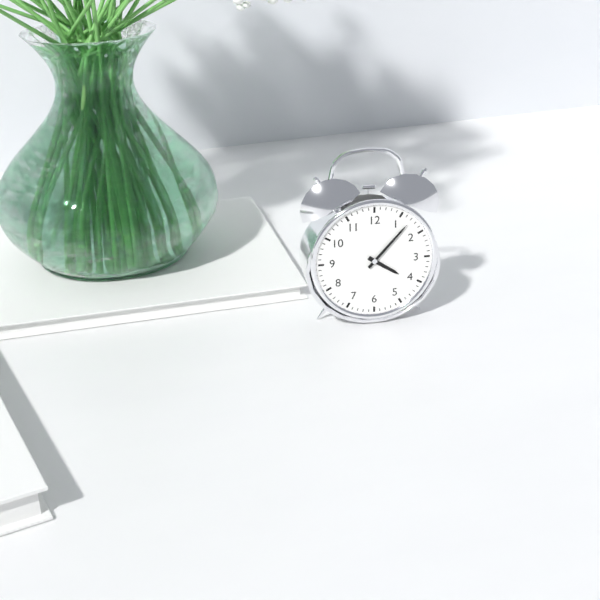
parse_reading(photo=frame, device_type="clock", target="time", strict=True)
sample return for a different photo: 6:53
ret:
4:07
